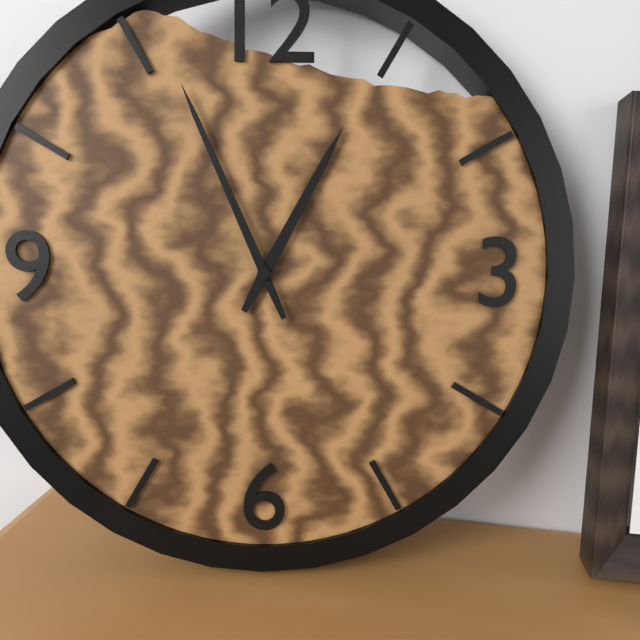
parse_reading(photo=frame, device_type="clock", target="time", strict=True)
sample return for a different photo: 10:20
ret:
12:56
